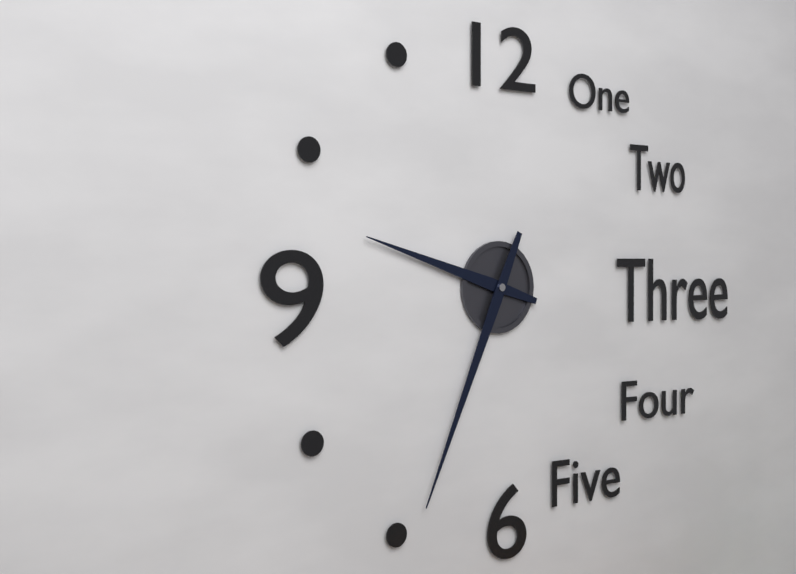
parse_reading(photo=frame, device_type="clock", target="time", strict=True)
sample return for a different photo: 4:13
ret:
9:34
